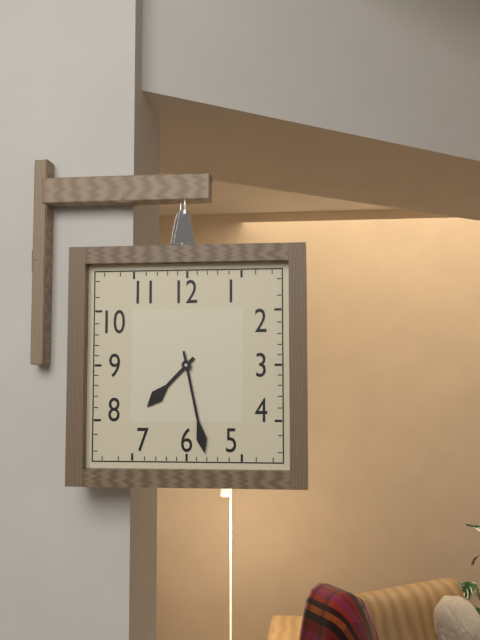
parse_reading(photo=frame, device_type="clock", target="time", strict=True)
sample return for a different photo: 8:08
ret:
7:28
